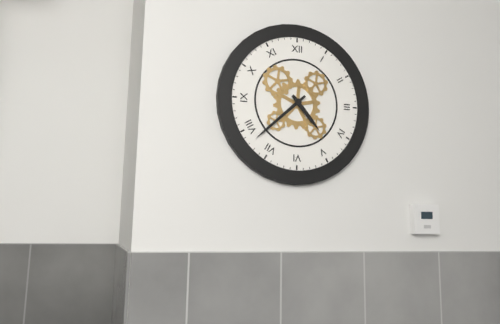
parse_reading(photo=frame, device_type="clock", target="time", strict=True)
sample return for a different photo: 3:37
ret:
4:38
